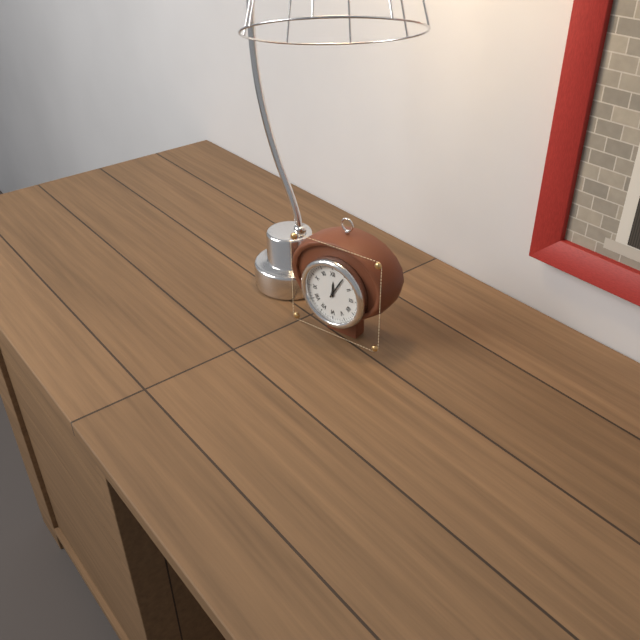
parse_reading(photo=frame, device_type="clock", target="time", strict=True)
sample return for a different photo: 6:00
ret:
12:05
